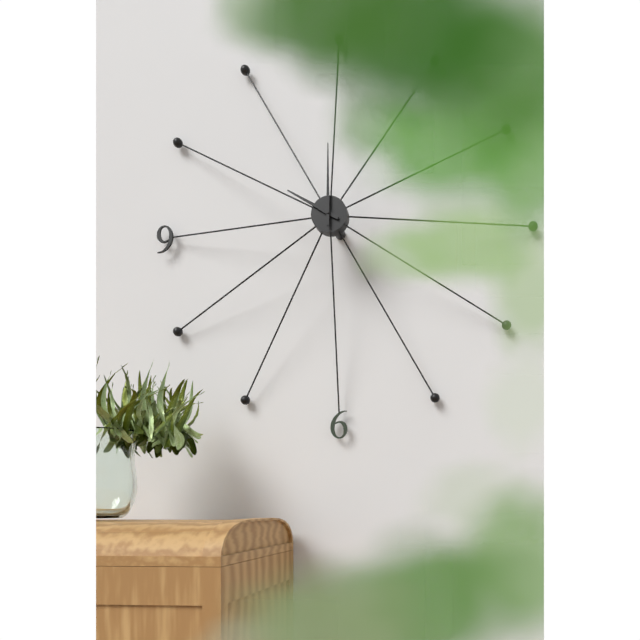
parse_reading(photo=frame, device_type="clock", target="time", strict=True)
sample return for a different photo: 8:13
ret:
10:00
